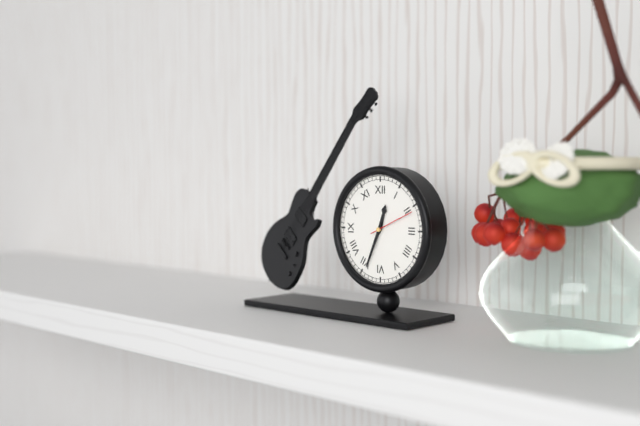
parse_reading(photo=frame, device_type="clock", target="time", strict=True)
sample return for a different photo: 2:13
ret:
12:34
